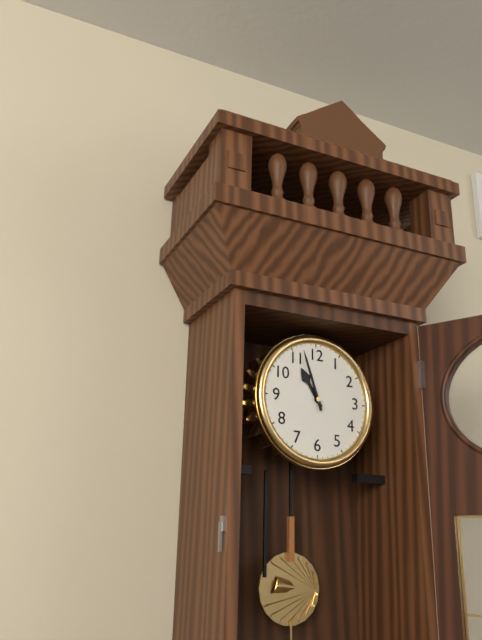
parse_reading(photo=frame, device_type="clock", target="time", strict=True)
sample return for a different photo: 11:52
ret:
10:57
